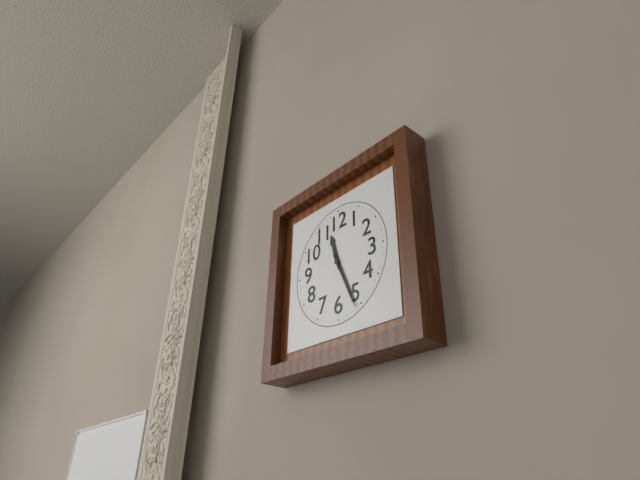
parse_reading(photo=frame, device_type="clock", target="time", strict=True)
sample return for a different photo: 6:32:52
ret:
11:26:26
